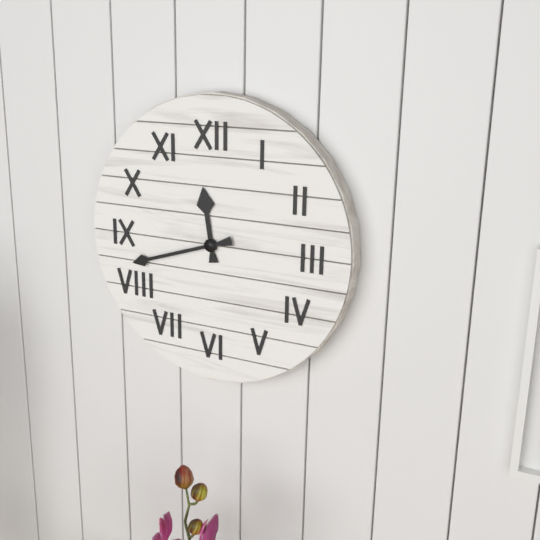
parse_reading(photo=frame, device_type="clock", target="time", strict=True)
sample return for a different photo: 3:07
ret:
11:42
